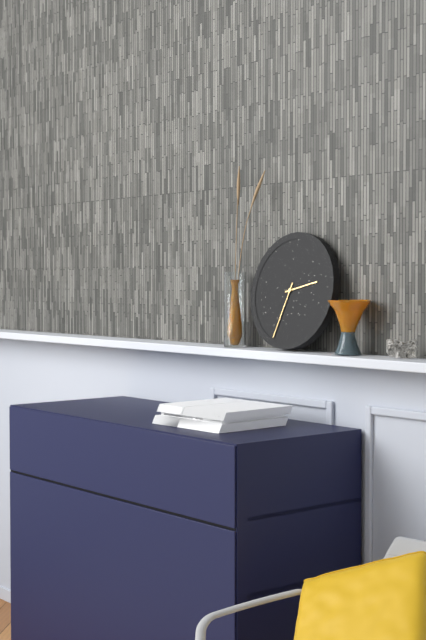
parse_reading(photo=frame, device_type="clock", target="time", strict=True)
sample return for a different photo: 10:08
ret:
2:33
